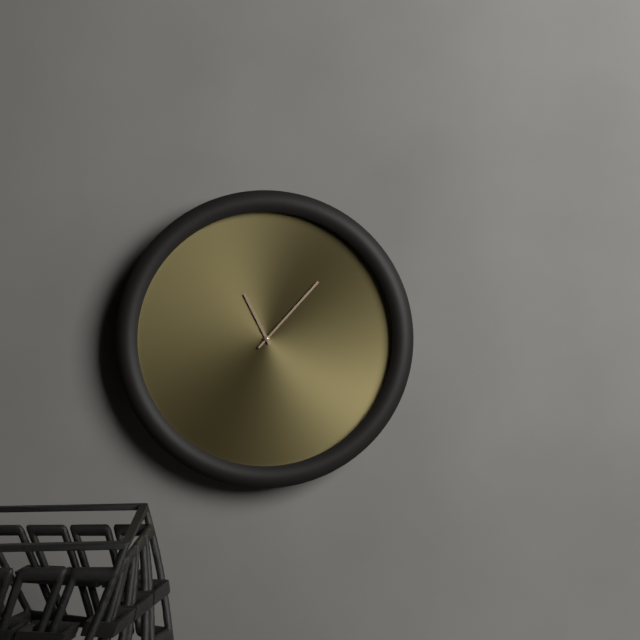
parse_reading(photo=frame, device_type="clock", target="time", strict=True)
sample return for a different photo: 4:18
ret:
11:07
